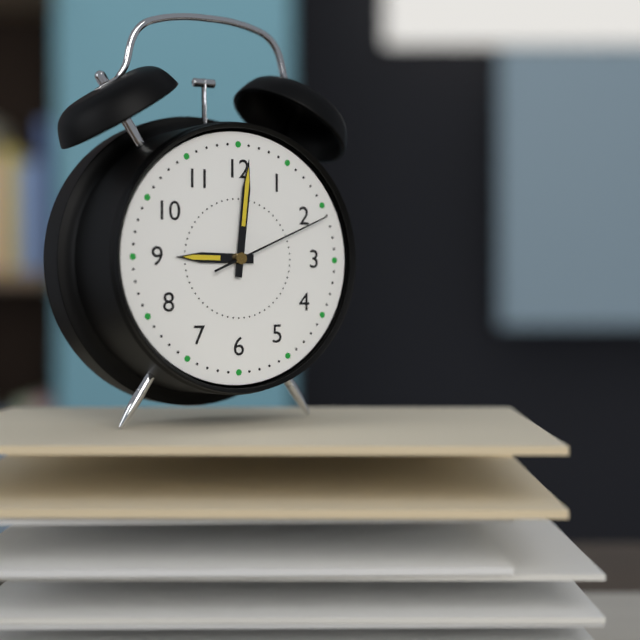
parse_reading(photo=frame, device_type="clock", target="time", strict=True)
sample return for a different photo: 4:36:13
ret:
9:01:11
